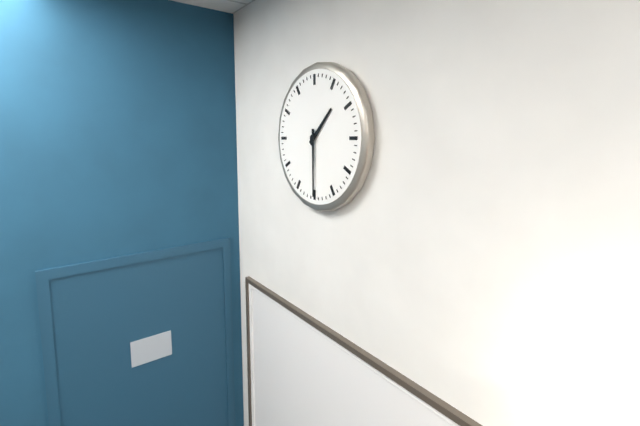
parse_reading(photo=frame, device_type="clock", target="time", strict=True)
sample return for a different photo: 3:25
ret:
1:30
